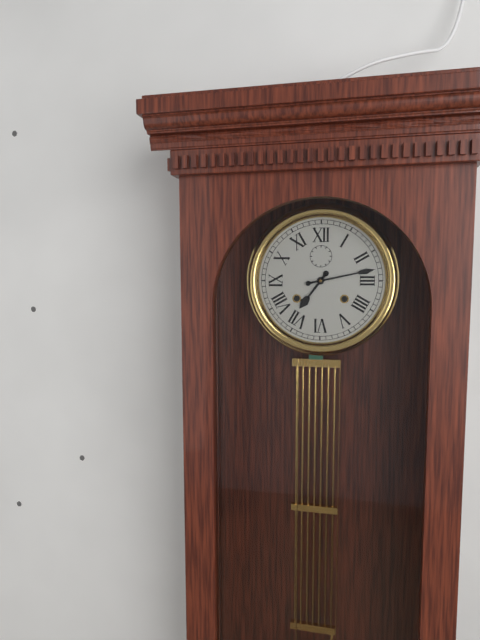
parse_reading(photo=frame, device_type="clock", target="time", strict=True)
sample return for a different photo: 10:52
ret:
7:13
